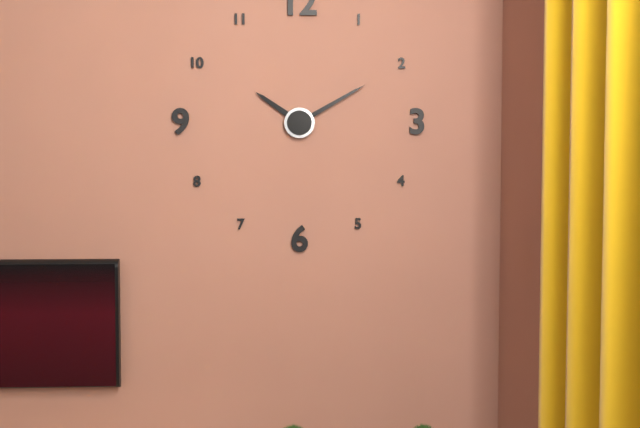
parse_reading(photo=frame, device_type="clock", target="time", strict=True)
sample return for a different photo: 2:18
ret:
10:10
